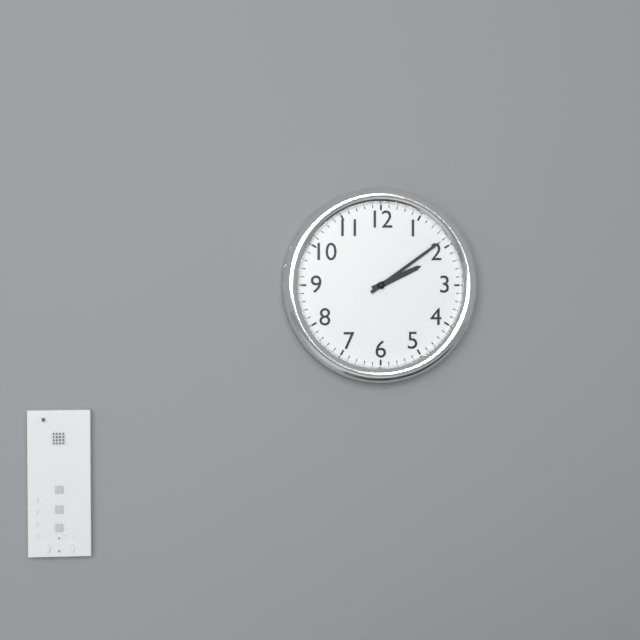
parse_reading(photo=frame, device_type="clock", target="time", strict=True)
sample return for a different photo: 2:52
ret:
2:09
